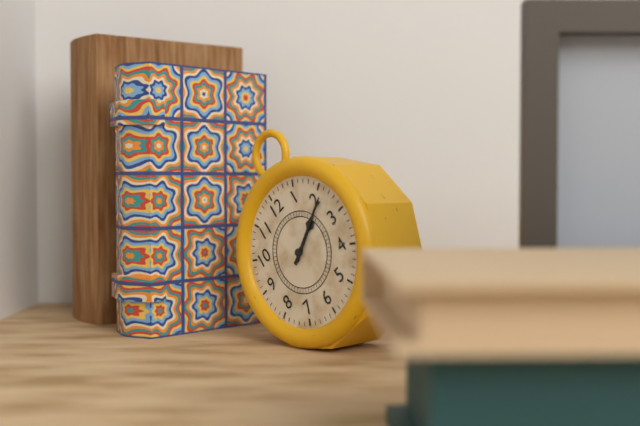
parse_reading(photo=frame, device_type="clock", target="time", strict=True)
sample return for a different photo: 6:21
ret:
2:11
